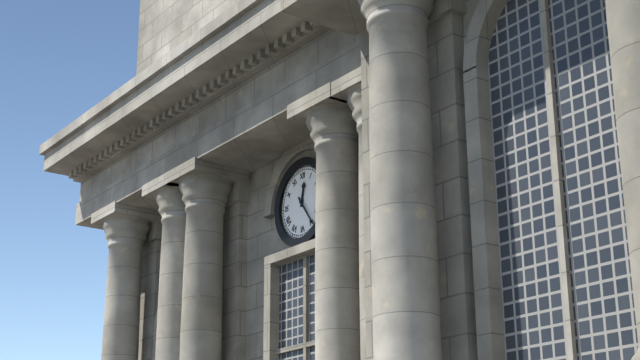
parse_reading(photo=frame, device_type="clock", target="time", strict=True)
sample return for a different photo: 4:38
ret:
12:24
